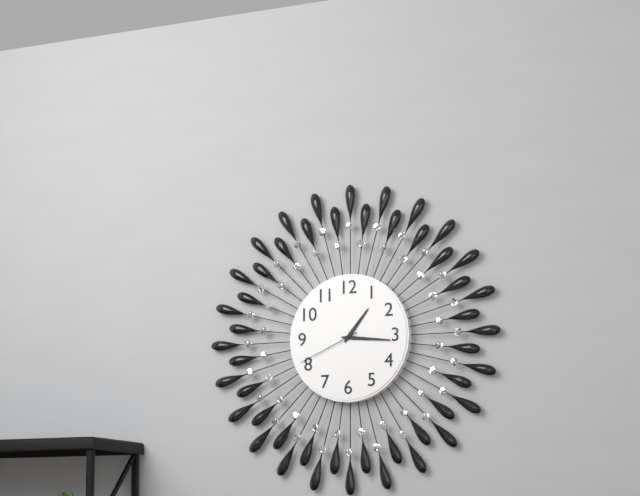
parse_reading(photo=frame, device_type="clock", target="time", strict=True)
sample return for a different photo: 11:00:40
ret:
1:16:41
